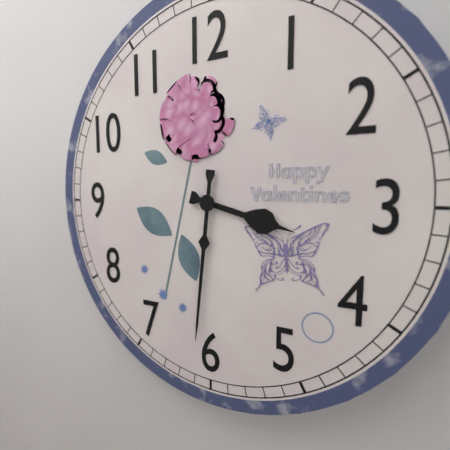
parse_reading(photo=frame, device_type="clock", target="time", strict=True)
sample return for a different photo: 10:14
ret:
3:31
